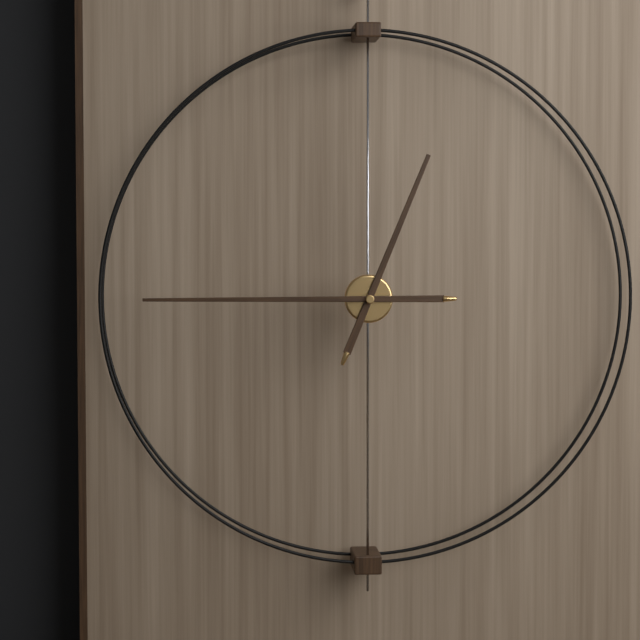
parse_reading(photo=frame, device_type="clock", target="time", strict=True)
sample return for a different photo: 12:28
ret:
12:45
